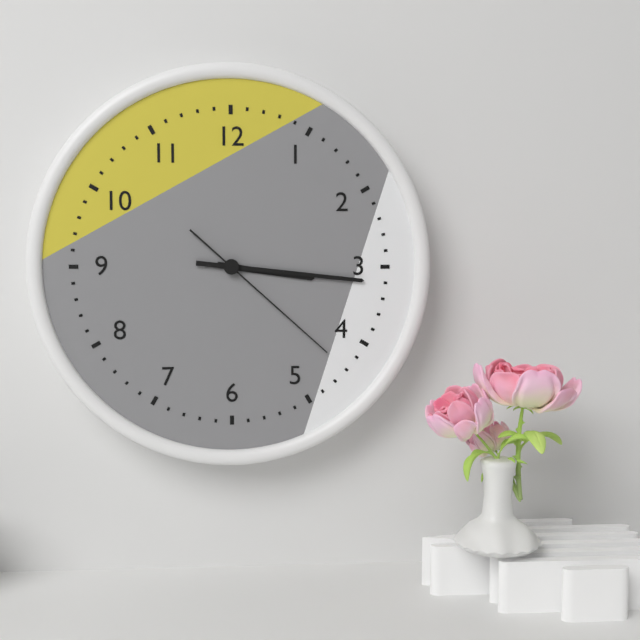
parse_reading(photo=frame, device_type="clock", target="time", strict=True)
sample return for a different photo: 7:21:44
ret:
3:16:22
